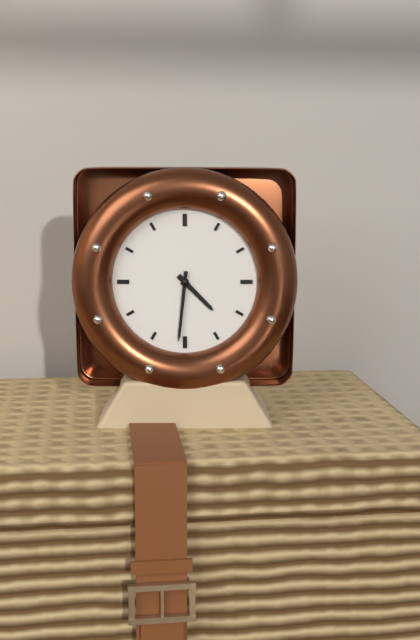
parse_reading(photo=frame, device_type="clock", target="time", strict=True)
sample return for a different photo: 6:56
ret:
4:31
